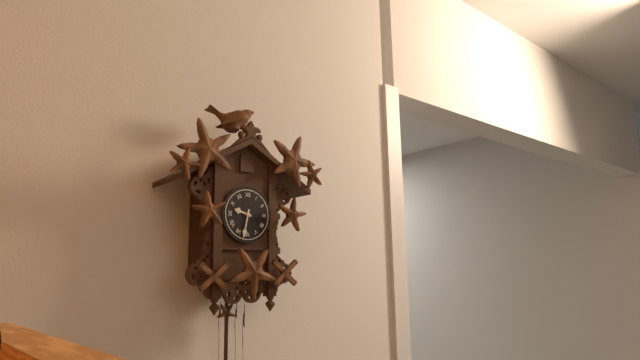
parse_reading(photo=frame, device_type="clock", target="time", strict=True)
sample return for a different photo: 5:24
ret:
9:32
